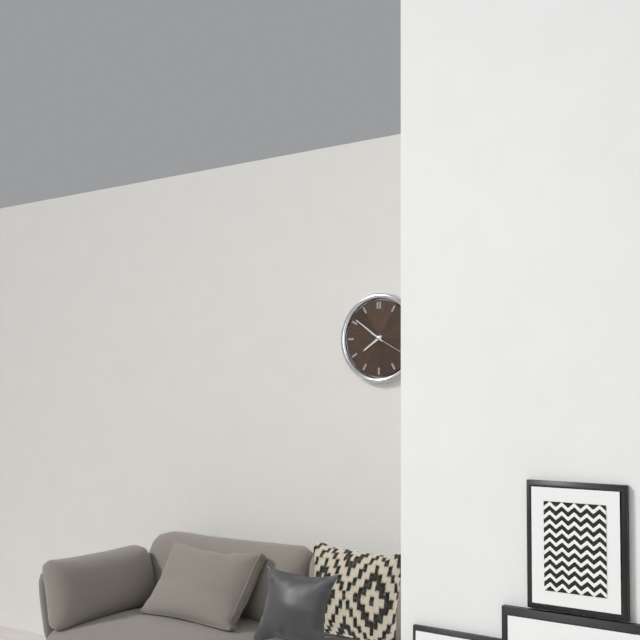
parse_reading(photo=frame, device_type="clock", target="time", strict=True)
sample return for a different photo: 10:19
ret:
7:51
